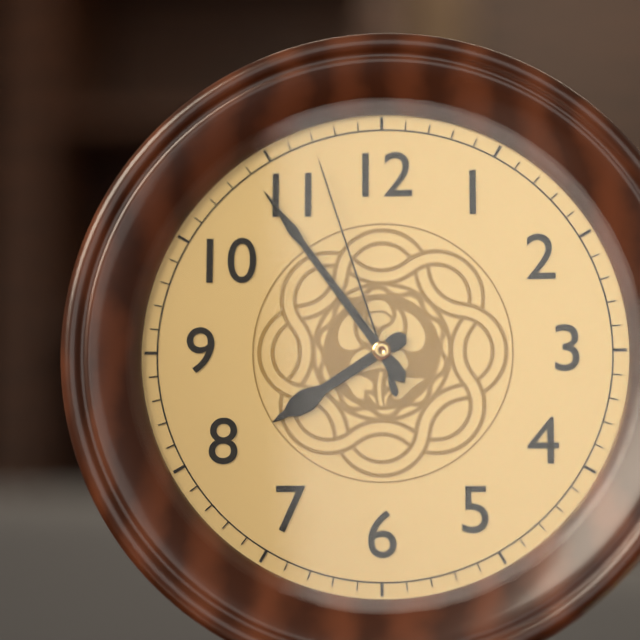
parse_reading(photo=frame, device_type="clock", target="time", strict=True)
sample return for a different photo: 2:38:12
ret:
7:54:57
